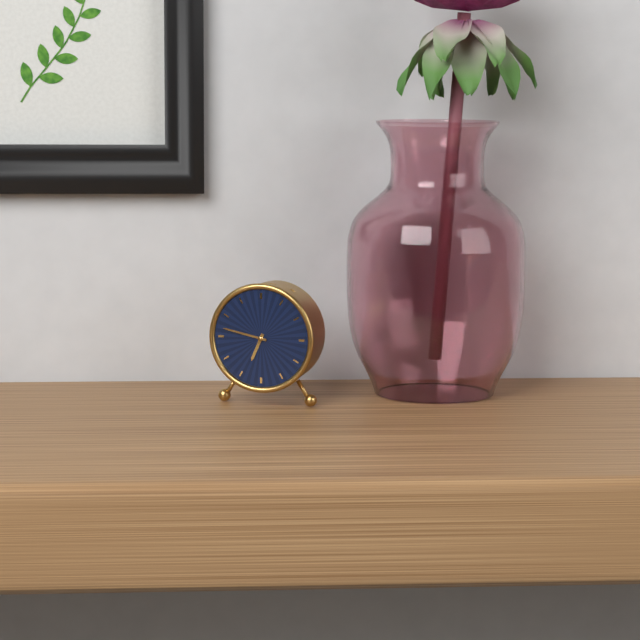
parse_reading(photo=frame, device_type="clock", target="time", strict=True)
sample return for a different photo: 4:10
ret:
6:47
